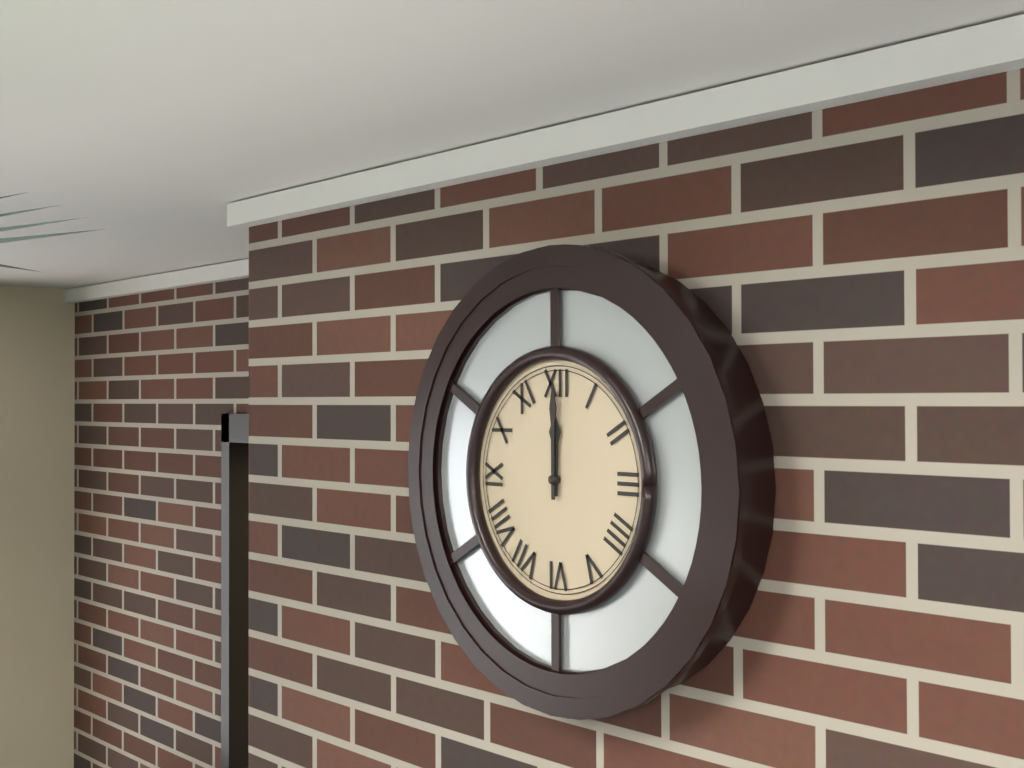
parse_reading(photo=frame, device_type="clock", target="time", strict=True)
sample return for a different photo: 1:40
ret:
12:00
